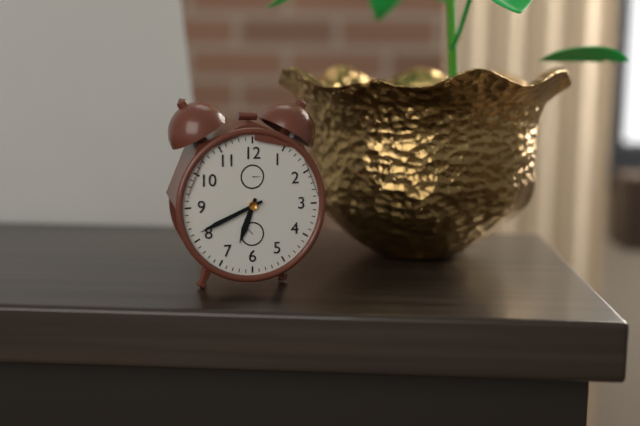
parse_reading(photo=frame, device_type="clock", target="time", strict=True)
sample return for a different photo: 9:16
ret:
6:41
